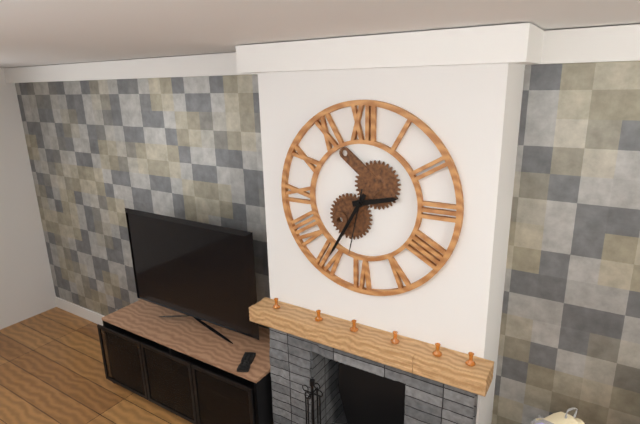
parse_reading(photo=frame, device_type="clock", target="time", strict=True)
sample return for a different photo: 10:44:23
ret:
2:35:32
